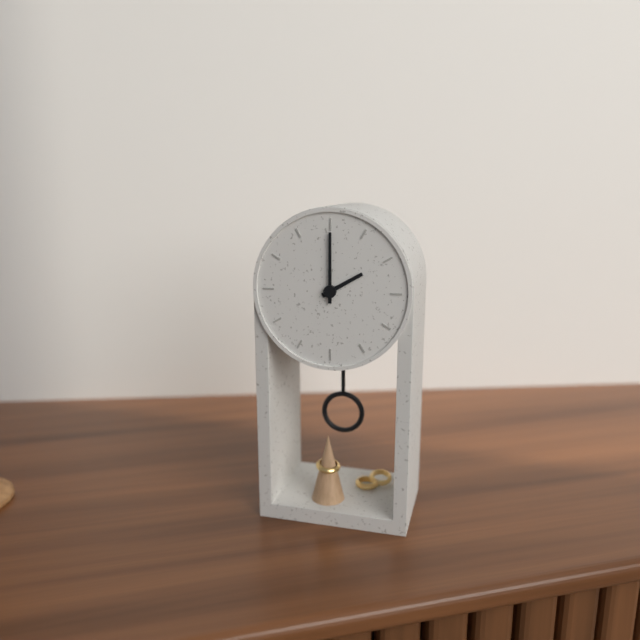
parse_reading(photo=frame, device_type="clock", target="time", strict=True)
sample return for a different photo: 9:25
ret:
2:00
